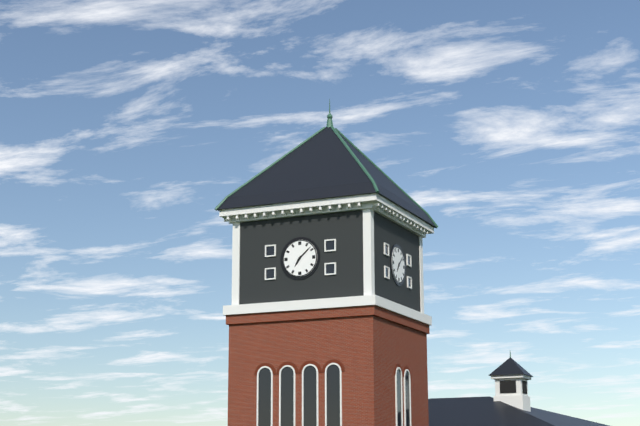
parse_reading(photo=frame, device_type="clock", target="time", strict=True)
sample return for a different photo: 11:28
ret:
7:08
